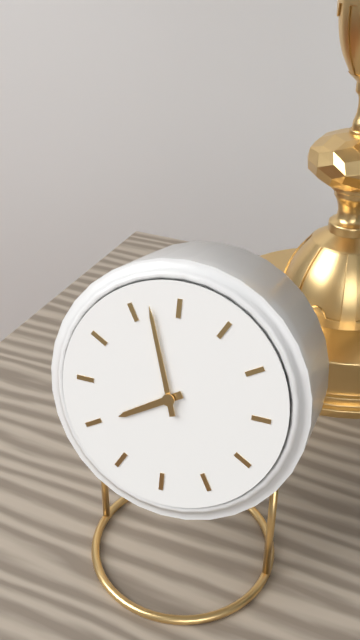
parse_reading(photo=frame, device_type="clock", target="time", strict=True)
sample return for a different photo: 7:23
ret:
7:57
